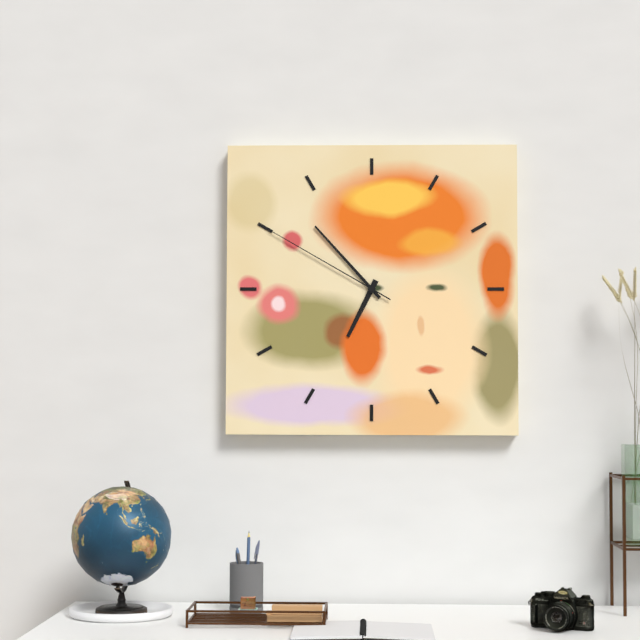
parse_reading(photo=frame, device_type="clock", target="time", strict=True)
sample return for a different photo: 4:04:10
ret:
6:53:50
